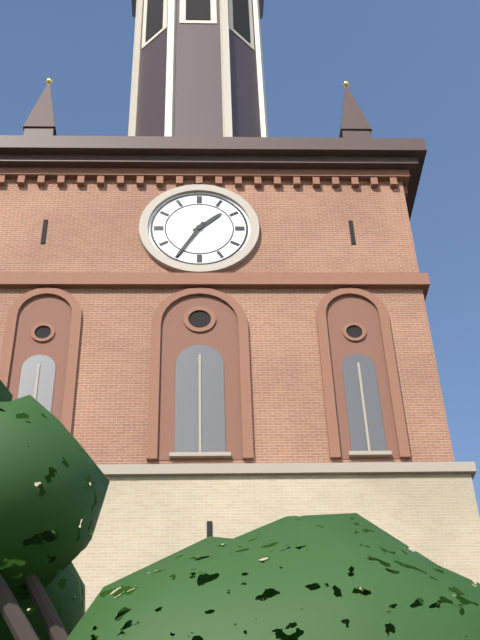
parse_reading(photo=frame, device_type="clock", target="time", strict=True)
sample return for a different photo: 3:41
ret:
1:35
